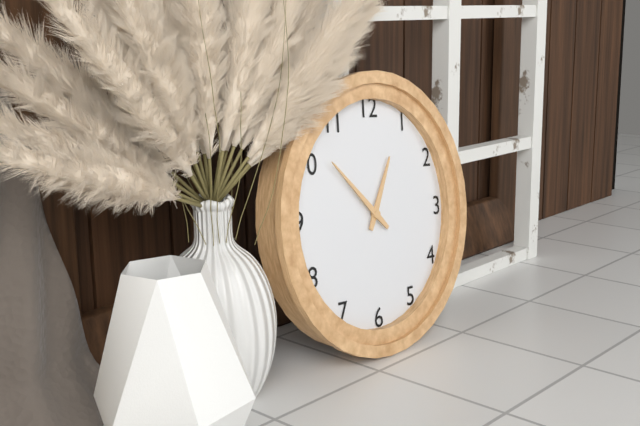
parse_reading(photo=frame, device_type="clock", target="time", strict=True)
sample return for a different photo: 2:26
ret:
12:52
